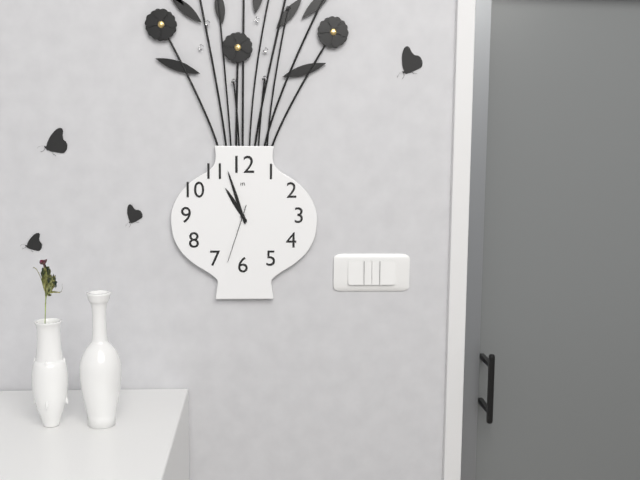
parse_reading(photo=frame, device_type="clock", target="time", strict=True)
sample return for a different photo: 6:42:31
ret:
10:57:33
